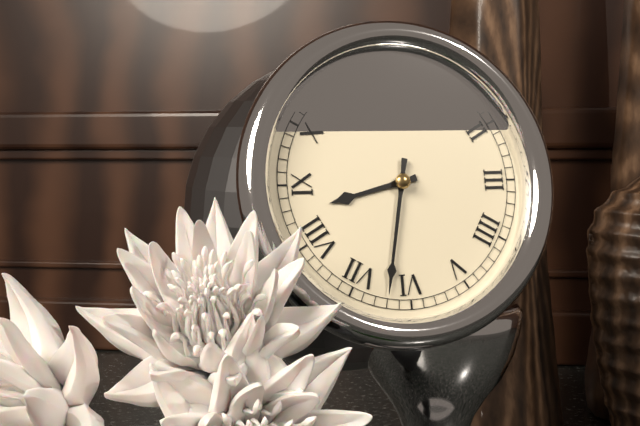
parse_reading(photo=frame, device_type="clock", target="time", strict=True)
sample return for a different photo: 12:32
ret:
8:32
